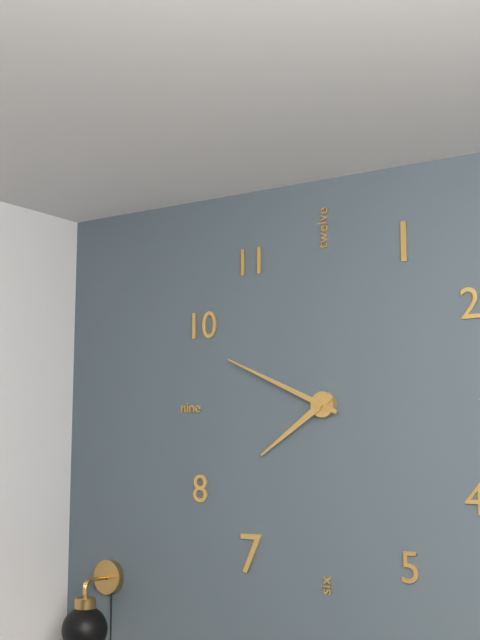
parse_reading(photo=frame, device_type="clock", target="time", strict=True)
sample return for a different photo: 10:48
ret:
7:49
